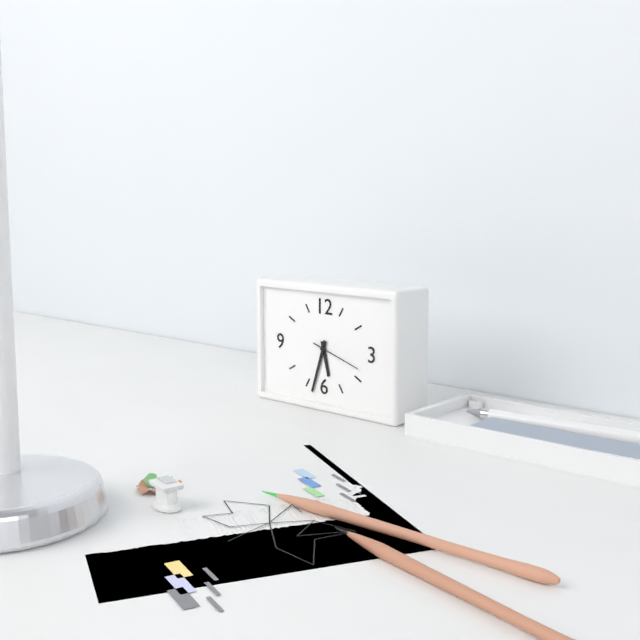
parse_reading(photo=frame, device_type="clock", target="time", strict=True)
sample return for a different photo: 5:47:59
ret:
5:33:18
